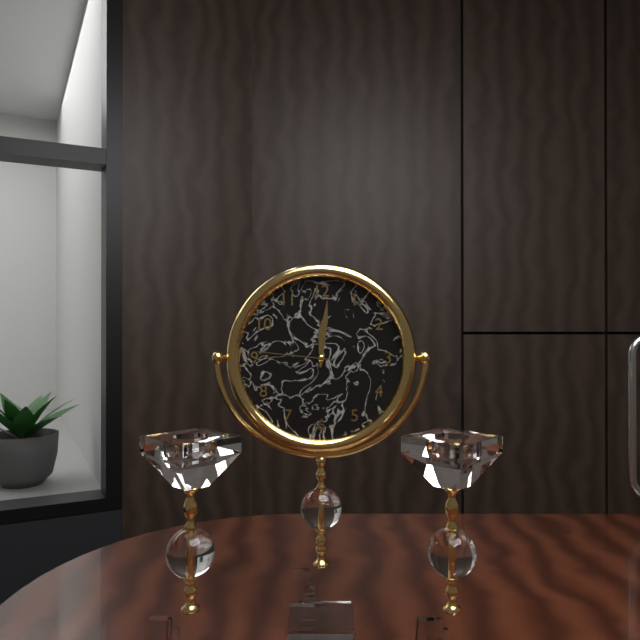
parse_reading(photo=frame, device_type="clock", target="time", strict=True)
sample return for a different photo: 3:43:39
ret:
12:01:46
